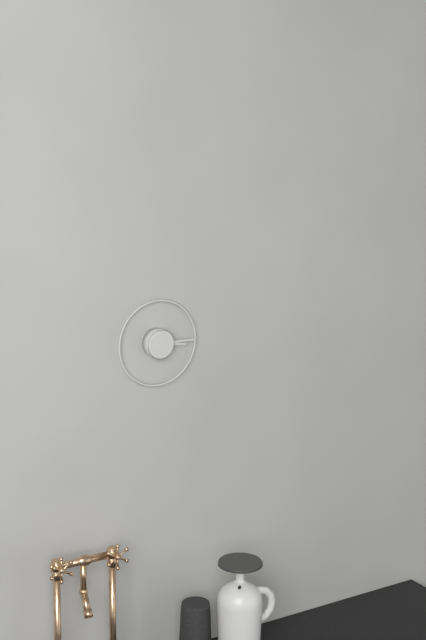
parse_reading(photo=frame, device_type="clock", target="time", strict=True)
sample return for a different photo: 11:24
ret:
3:15
